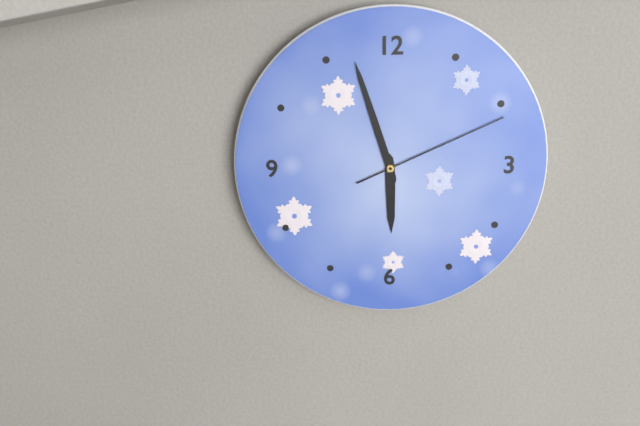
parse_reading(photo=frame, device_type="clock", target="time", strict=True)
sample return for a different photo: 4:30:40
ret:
5:57:11
